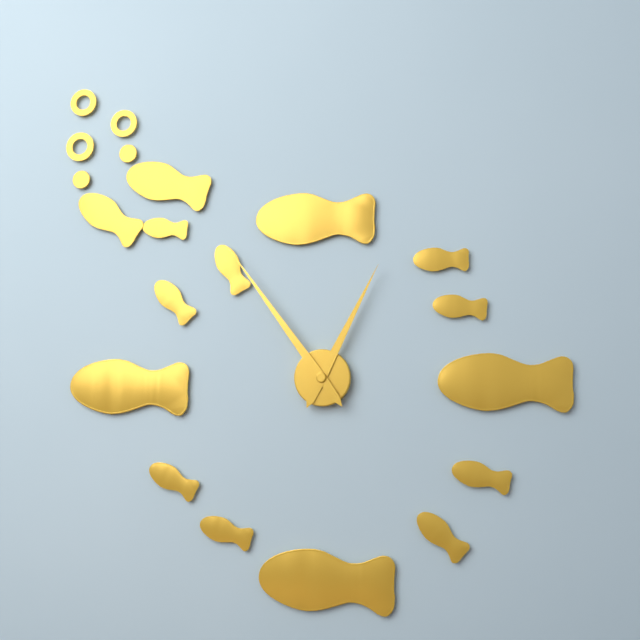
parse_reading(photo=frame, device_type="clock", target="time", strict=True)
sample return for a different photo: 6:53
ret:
12:54
